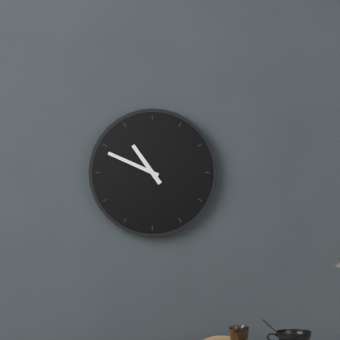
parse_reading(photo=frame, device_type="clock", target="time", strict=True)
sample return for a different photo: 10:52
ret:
10:49
